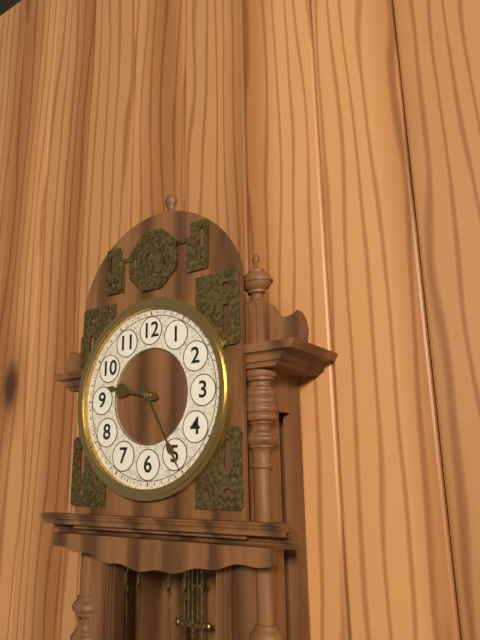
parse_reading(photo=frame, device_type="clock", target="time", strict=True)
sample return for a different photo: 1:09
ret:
9:25
